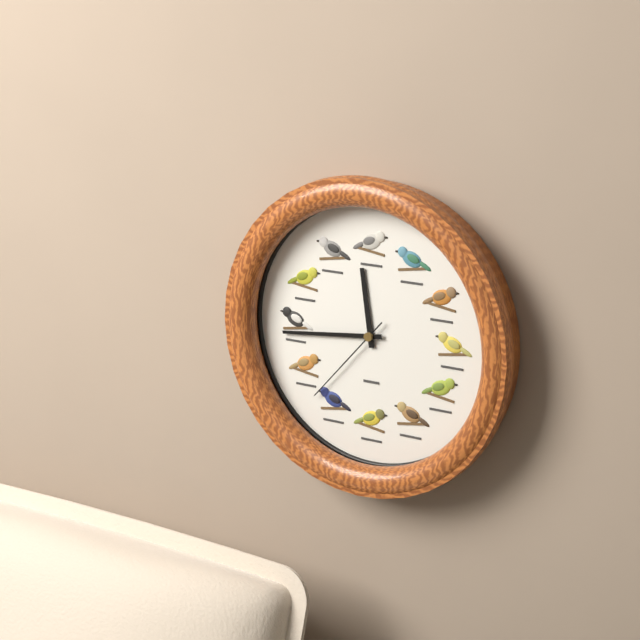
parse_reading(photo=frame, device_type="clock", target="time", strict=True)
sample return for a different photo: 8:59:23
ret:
11:44:37
